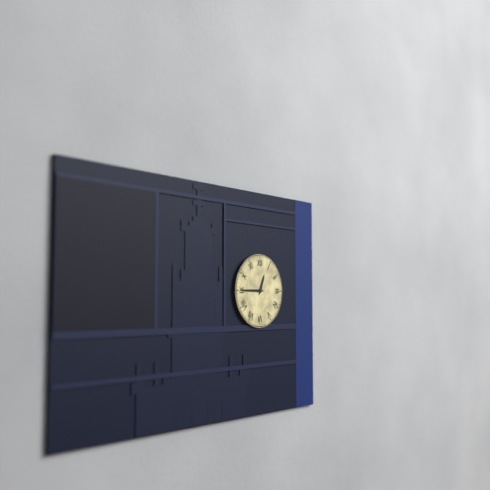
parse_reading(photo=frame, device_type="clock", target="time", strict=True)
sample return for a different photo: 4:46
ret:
12:45
